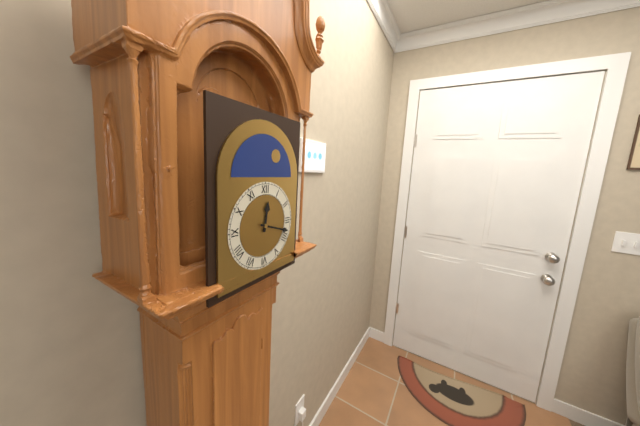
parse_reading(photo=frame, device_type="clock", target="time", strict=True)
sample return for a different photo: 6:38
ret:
12:18
